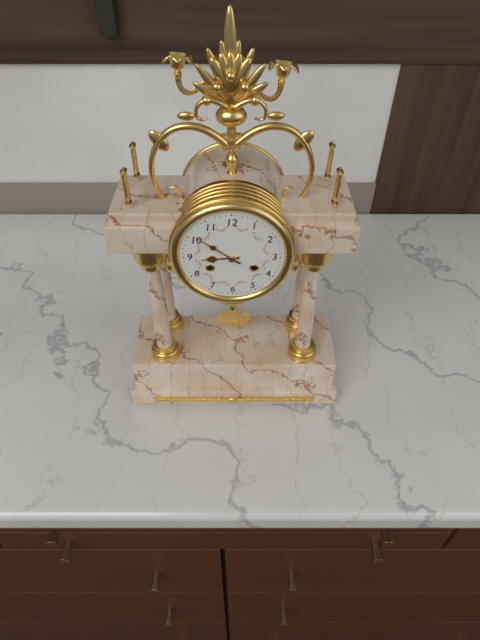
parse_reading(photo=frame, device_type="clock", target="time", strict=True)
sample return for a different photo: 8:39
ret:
8:51
